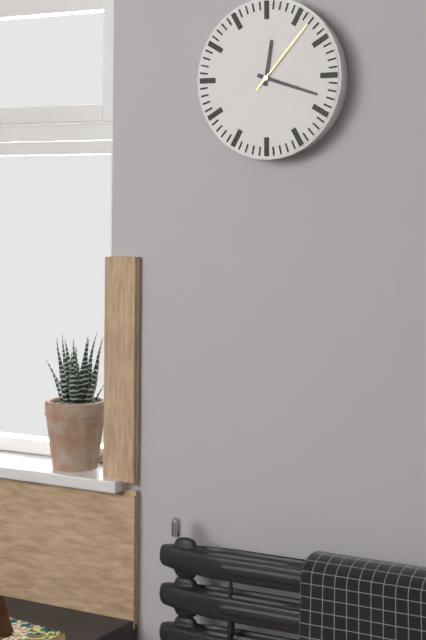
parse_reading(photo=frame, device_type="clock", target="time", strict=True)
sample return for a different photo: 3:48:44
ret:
12:18:07
